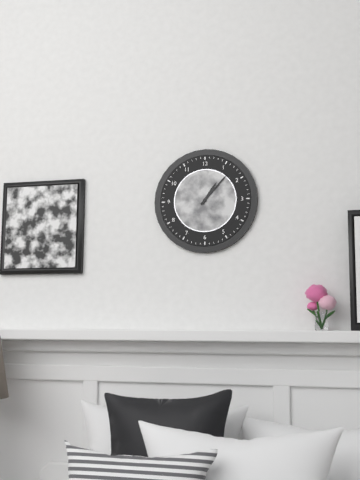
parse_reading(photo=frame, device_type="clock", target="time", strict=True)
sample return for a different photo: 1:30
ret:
1:07
